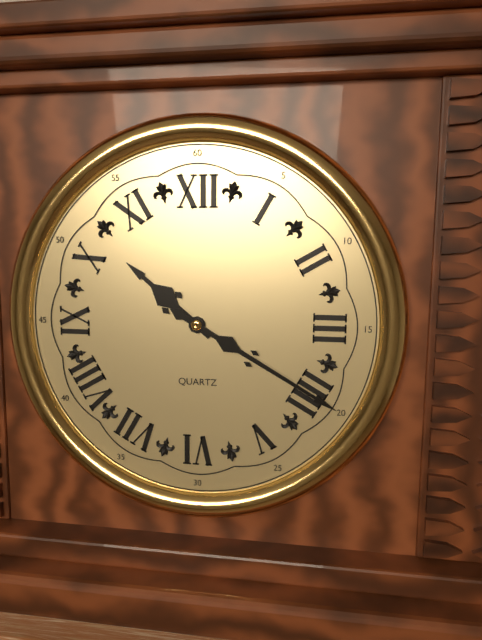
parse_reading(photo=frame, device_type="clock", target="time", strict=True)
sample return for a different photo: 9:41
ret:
10:20
